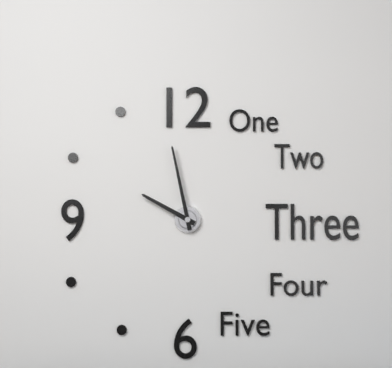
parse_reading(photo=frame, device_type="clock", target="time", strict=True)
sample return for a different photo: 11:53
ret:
9:58
